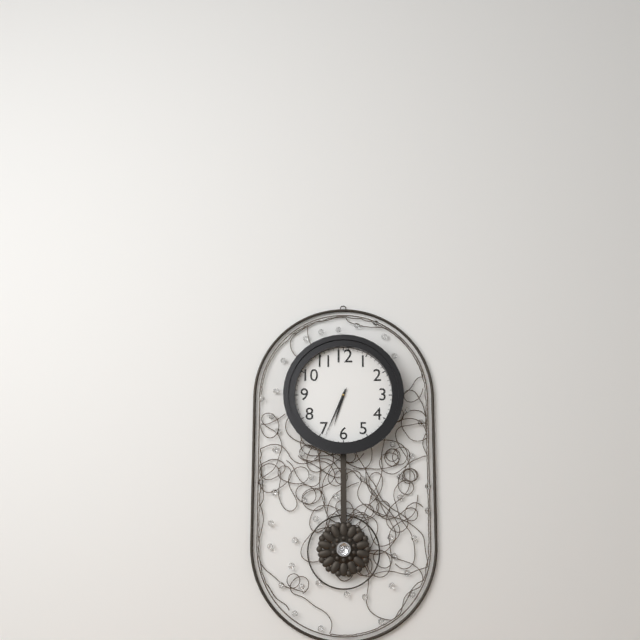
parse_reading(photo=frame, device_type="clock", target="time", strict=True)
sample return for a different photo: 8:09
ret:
6:34
